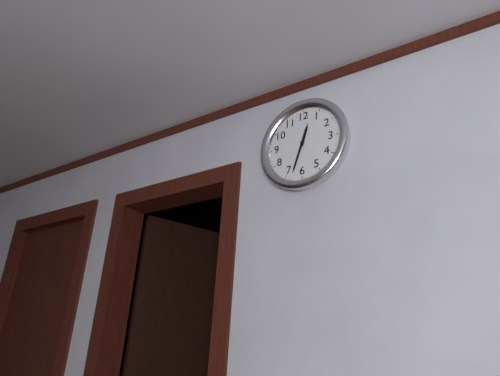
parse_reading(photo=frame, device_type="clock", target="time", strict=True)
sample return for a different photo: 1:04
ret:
12:33
